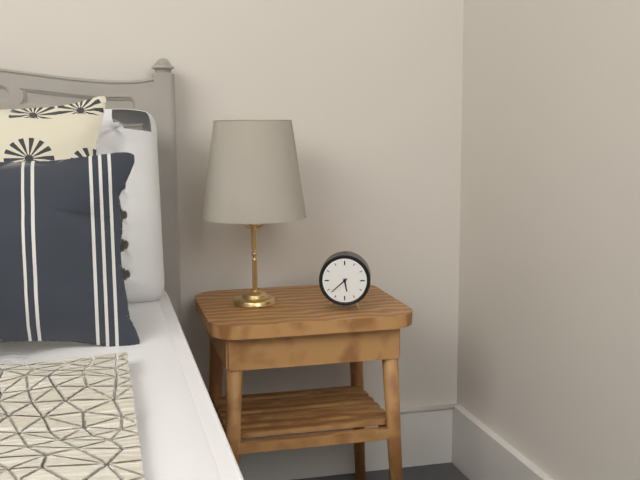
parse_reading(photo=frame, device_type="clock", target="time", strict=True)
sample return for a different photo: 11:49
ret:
5:38
